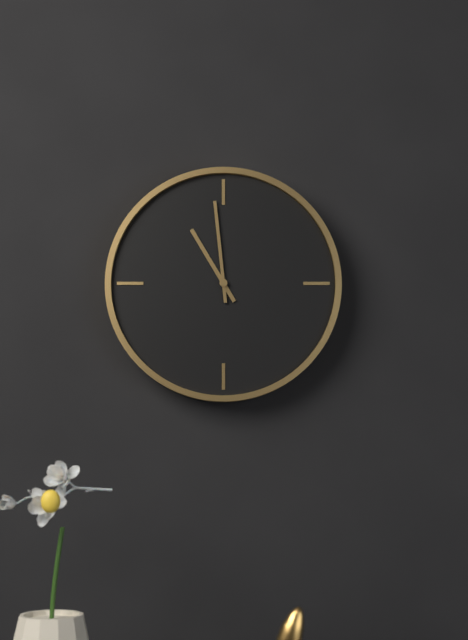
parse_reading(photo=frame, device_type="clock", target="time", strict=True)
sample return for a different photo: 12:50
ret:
10:59
